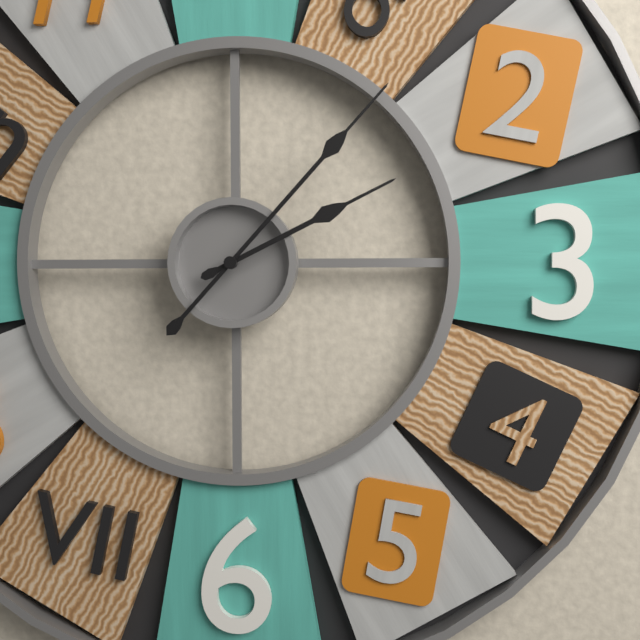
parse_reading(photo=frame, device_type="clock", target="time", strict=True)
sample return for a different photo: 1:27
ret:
2:07
